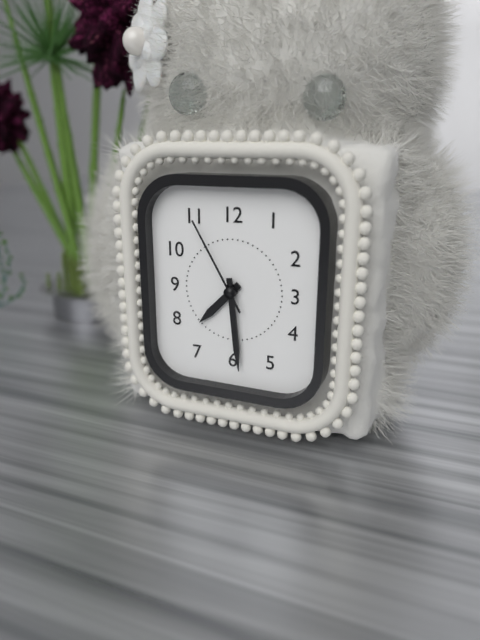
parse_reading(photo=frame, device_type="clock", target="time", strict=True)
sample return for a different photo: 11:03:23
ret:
7:29:55
